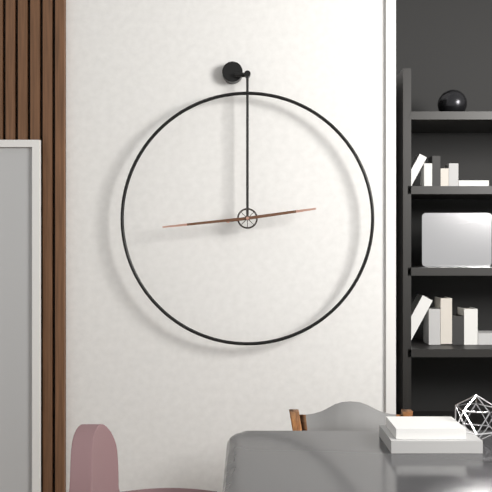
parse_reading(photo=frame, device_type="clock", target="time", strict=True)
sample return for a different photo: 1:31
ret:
2:44
